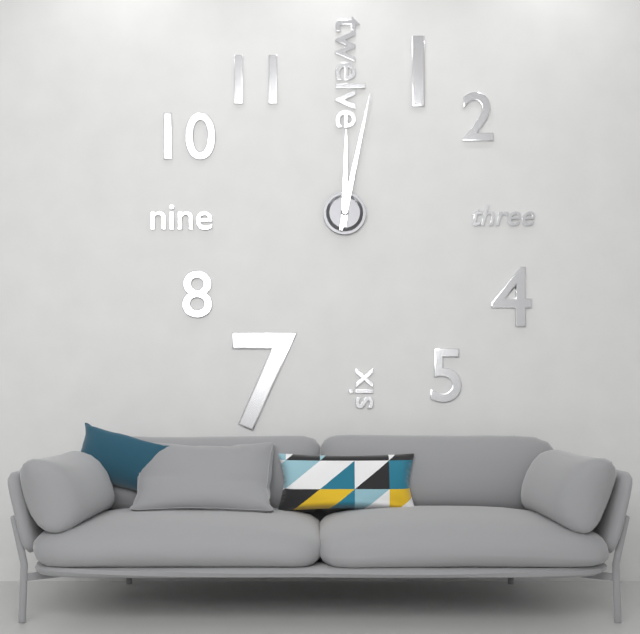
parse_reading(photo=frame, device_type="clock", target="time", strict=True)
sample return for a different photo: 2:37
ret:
12:02
